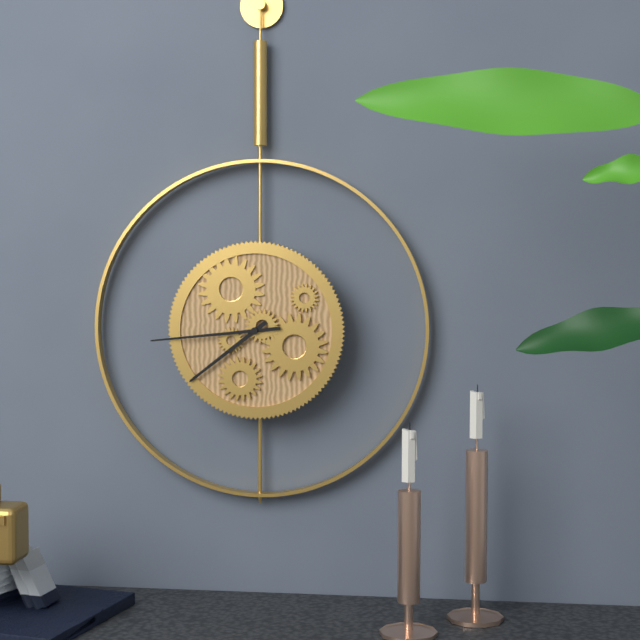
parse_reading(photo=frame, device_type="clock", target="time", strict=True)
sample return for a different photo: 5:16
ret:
7:44
